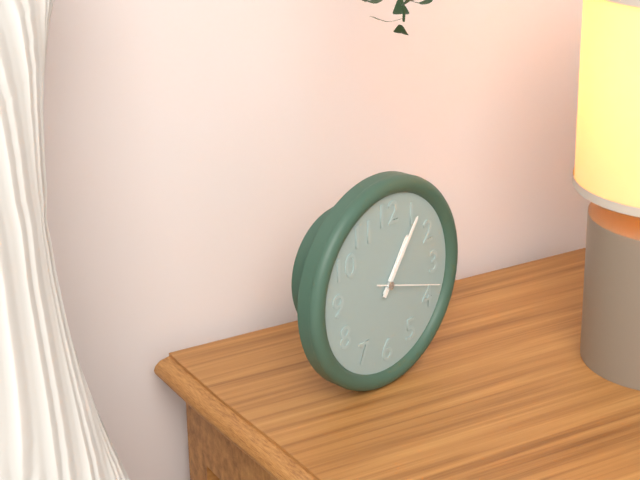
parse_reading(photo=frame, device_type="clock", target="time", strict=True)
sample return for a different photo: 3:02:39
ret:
1:06:18
